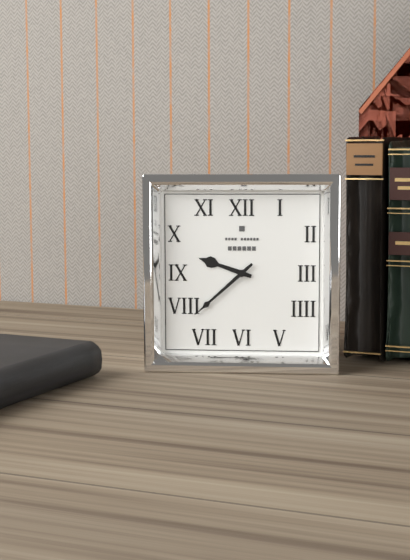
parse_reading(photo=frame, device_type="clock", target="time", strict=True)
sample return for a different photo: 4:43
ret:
9:38
